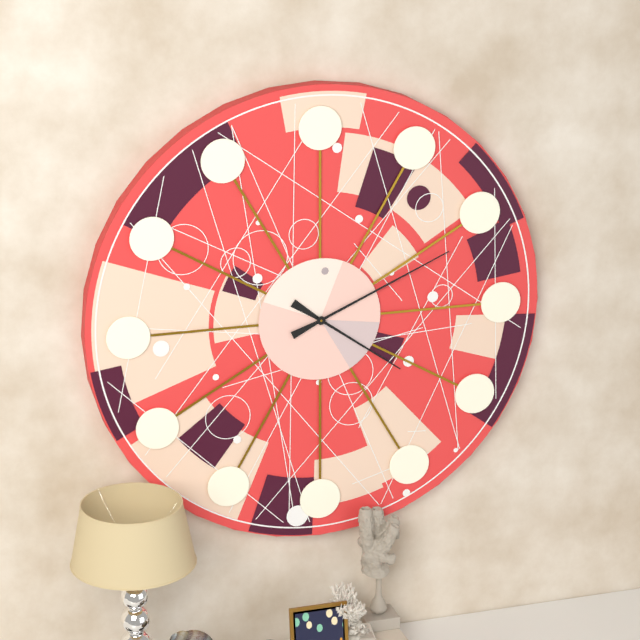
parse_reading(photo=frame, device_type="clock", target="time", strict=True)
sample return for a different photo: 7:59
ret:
4:11
